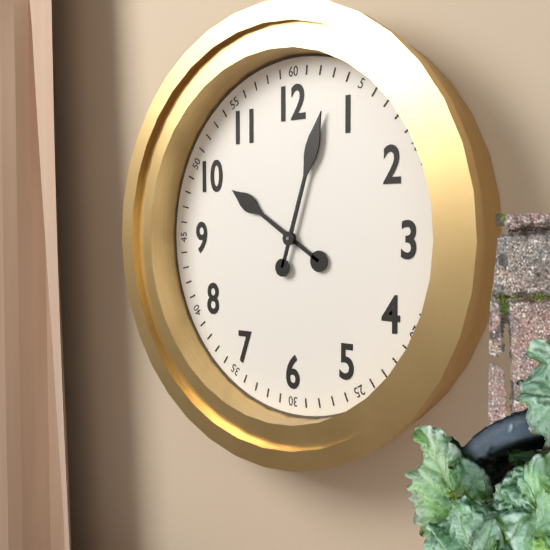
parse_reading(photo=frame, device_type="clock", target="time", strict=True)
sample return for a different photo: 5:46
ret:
10:03
